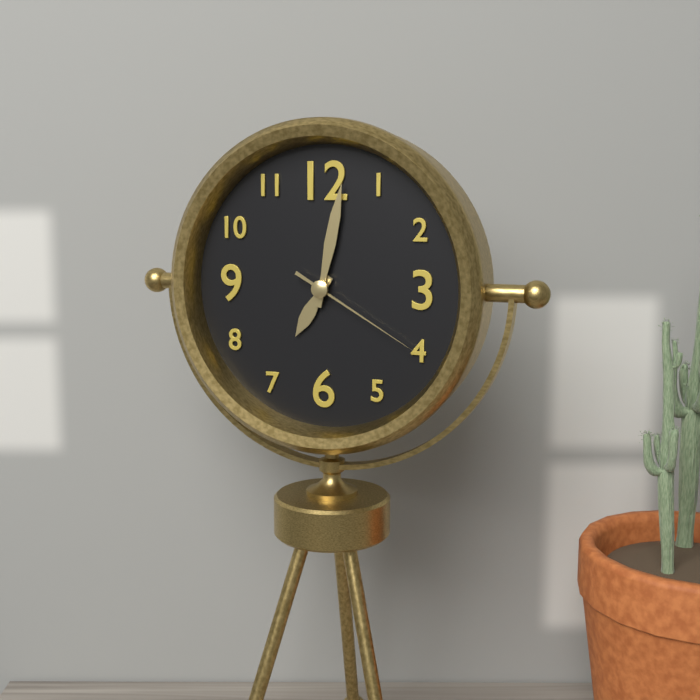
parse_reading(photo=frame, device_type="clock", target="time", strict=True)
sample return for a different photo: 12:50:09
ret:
7:02:20
